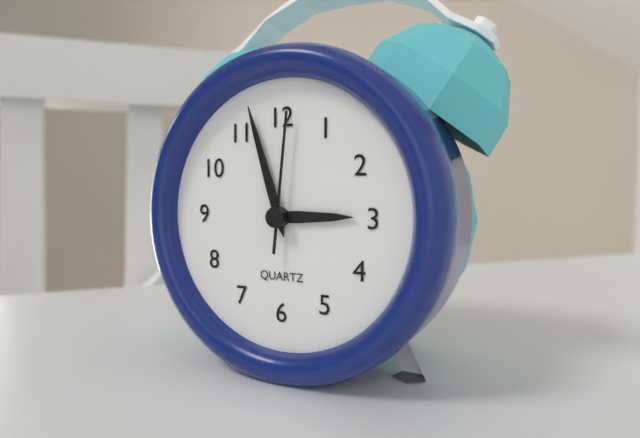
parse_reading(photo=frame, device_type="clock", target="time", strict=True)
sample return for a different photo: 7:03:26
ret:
2:57:01
